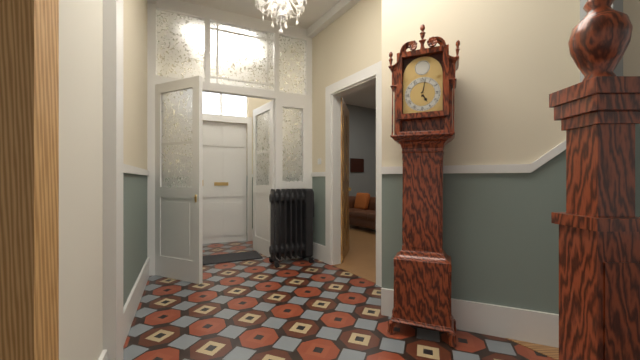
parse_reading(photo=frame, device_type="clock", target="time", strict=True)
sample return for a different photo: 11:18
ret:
5:02
